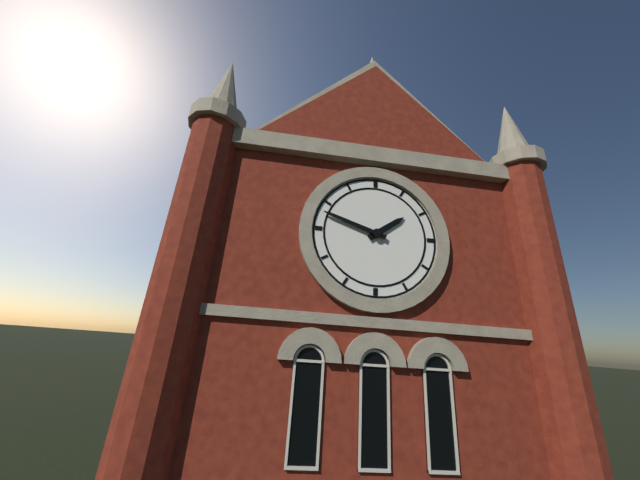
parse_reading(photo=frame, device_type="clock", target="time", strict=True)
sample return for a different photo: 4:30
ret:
1:48
